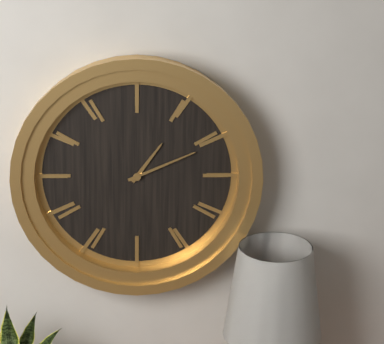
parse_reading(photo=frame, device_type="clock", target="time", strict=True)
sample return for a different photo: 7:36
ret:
1:11
